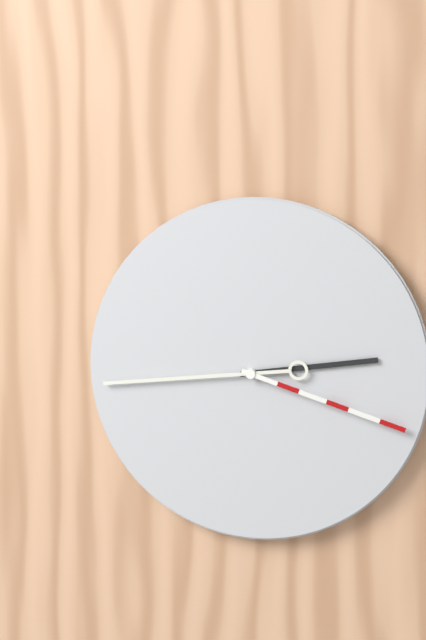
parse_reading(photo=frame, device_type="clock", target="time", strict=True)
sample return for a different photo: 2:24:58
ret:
2:44:18
